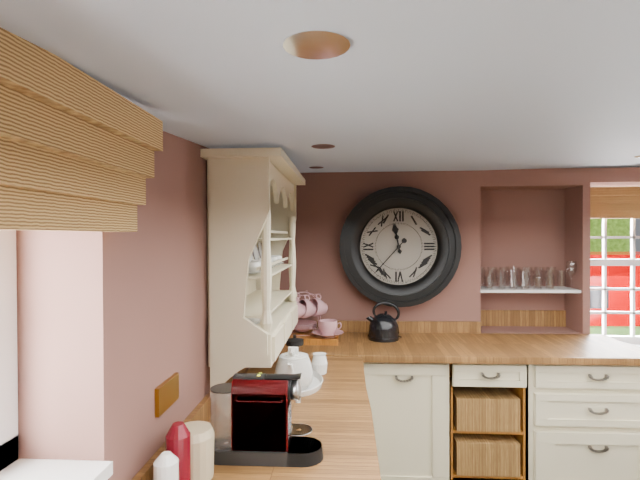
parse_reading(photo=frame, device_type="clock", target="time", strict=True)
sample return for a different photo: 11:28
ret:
11:37
